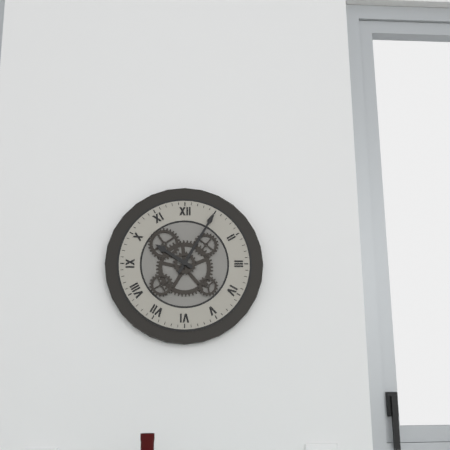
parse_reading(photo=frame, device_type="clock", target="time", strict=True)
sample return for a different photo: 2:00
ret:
10:05
